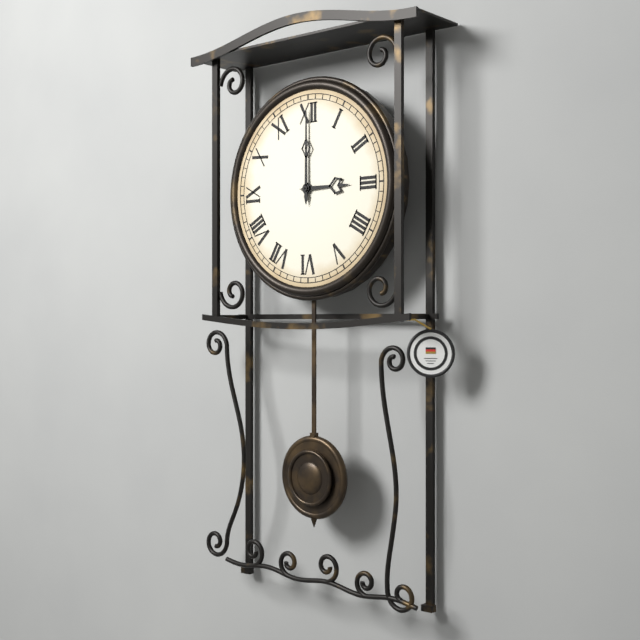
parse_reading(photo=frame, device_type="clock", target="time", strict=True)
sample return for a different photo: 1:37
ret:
3:00
